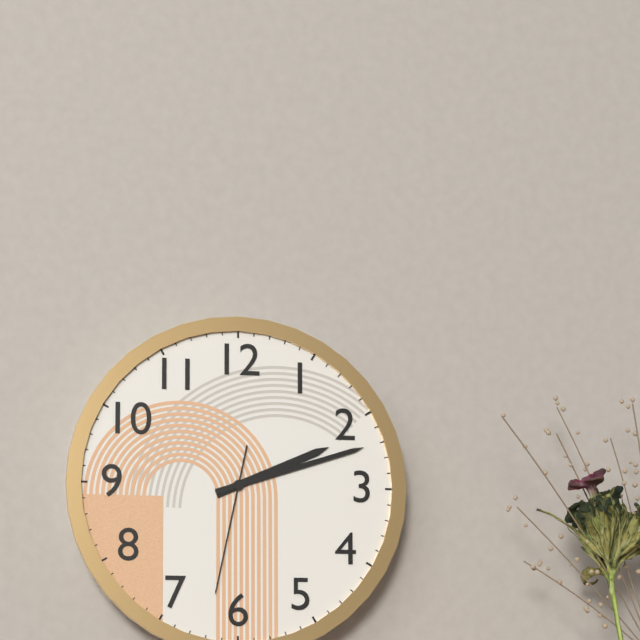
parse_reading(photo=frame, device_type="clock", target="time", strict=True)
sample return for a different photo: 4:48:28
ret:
2:12:32
